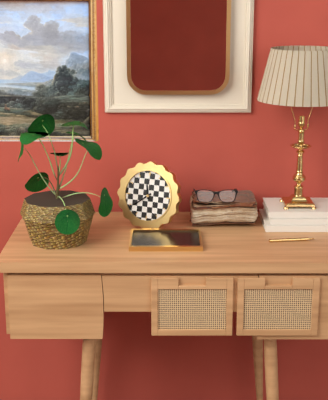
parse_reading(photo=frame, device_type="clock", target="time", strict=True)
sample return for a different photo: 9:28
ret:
11:39
